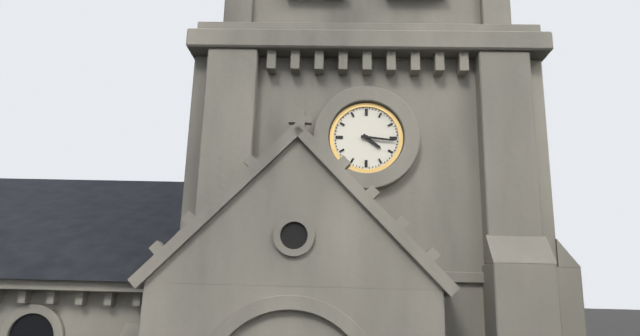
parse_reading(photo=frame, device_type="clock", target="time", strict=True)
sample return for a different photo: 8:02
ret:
4:16
